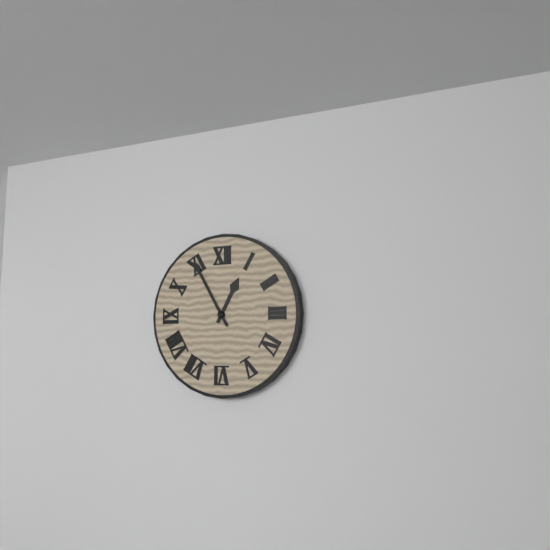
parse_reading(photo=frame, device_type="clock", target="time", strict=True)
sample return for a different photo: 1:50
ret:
12:55
